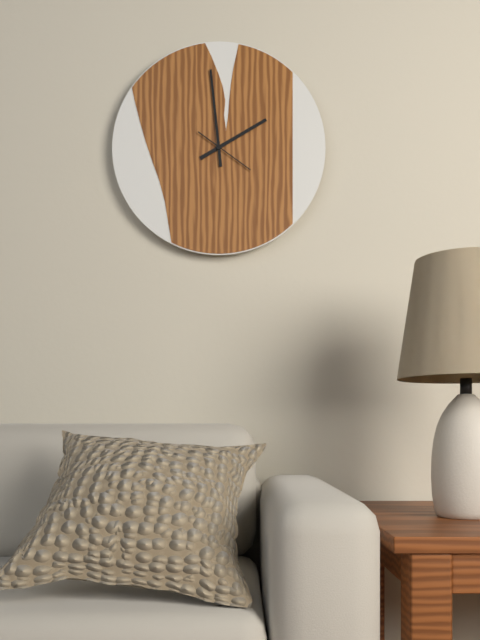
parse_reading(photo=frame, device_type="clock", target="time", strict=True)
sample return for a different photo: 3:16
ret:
1:59
